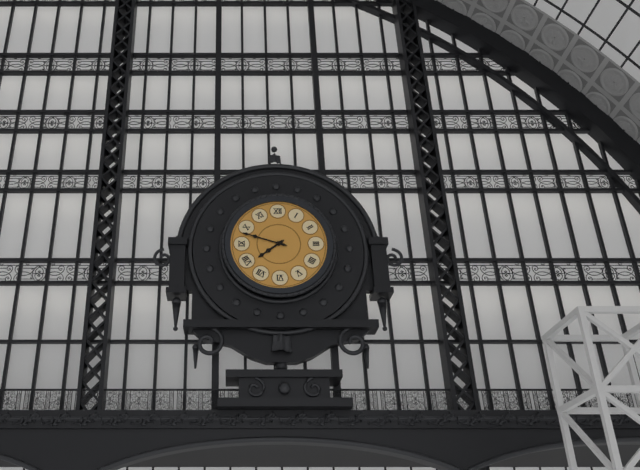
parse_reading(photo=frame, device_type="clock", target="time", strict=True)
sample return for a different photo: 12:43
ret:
7:48
